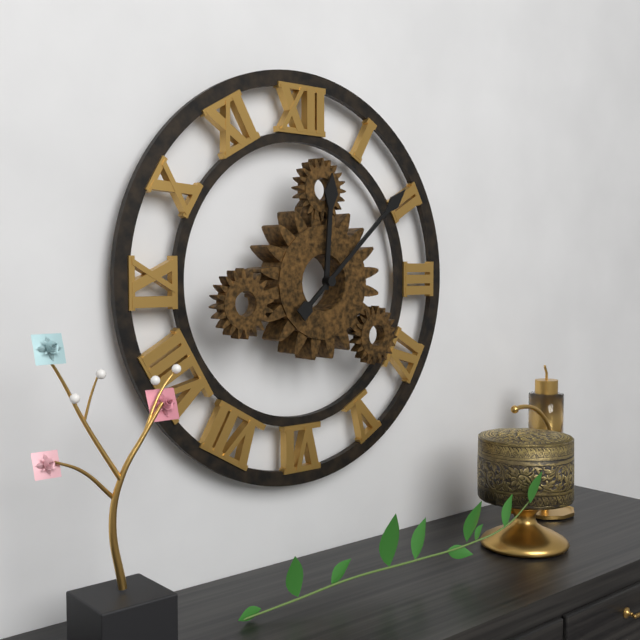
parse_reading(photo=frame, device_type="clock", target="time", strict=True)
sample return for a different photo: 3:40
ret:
12:08
